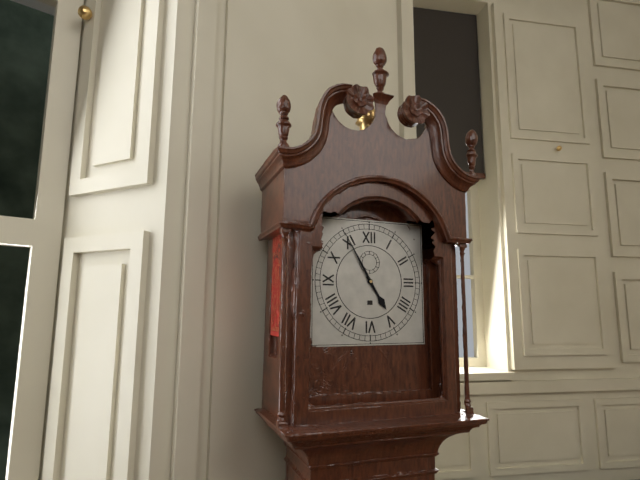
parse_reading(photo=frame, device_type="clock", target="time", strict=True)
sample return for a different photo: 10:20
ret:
4:55
